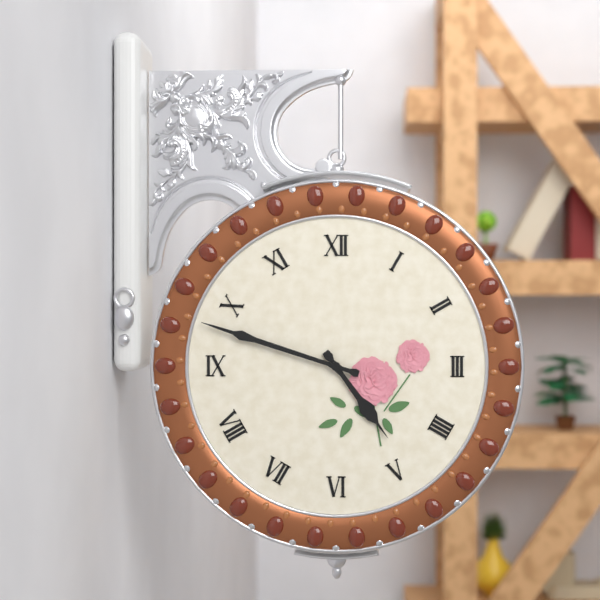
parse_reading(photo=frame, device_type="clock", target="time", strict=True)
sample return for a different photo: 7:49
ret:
4:48
